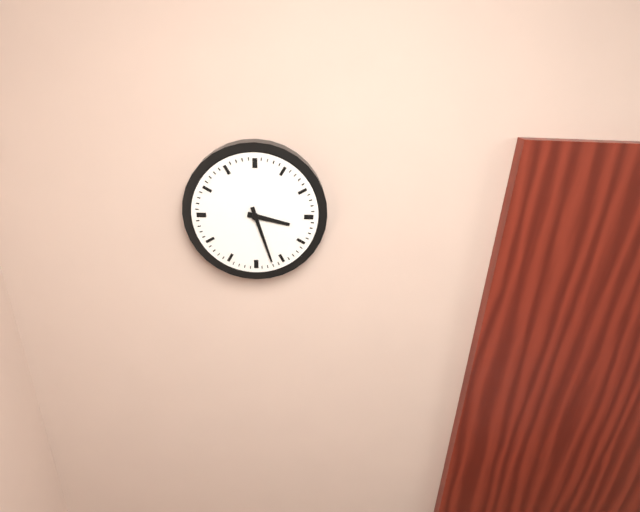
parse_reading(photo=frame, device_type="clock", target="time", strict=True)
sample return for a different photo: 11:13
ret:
3:27
